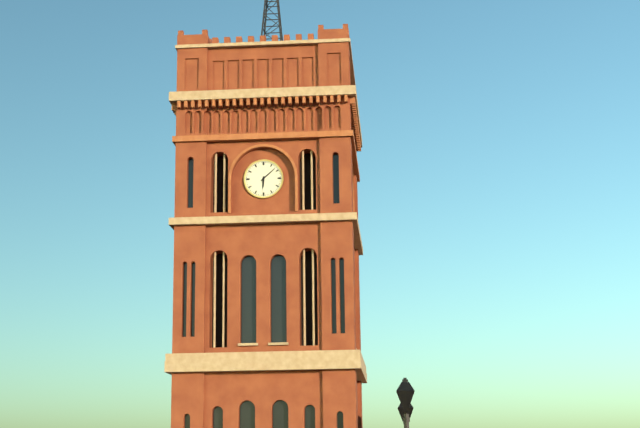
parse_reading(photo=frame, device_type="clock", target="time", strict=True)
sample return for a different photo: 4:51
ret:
6:08
